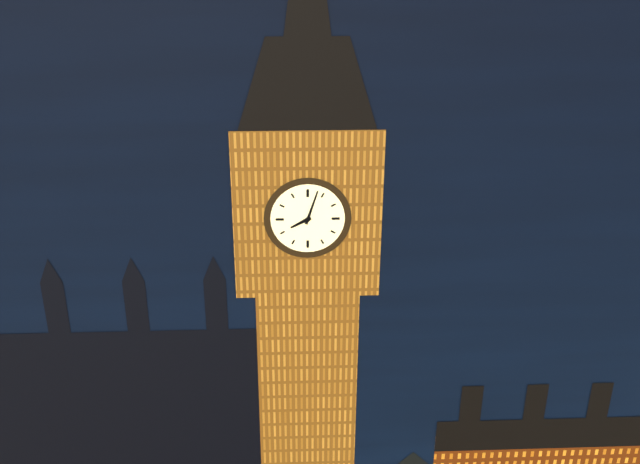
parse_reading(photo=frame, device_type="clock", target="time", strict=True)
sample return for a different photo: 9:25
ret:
8:03
